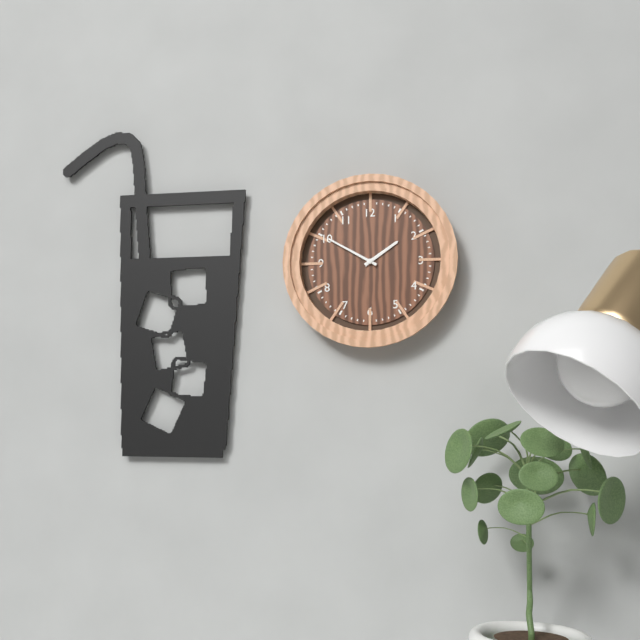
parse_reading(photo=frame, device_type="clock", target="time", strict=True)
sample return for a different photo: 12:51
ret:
1:50
